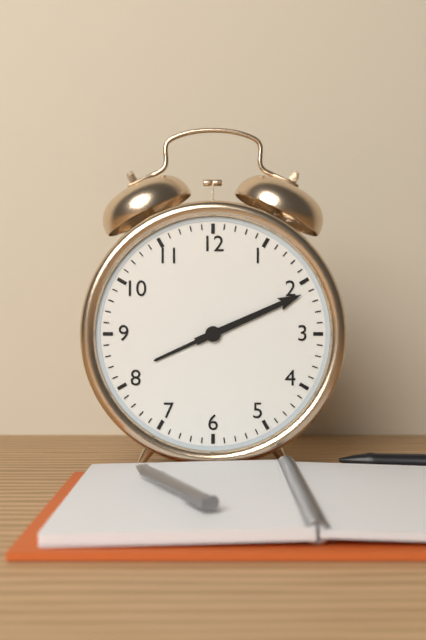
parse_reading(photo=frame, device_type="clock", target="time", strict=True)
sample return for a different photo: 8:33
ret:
8:11
